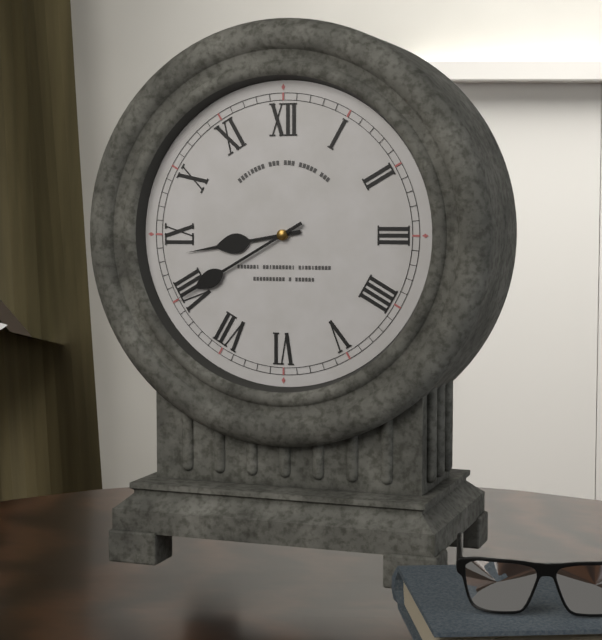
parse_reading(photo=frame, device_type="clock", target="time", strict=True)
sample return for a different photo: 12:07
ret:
8:40
